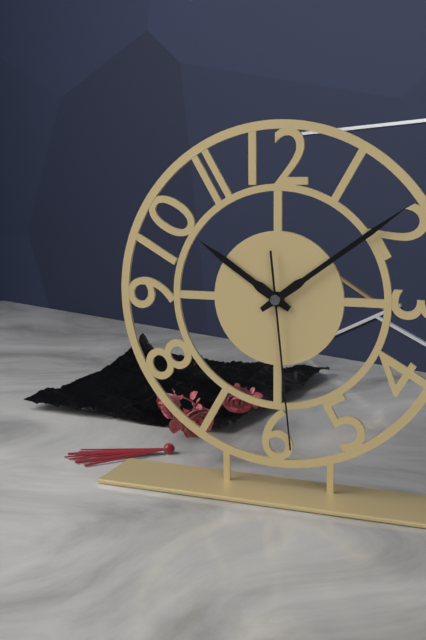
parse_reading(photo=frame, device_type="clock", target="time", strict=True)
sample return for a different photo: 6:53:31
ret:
10:09:29
